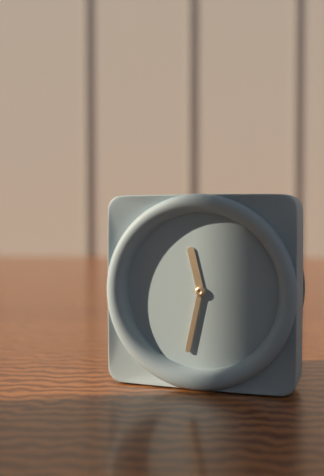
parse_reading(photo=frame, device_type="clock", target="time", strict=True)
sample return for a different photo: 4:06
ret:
11:32
